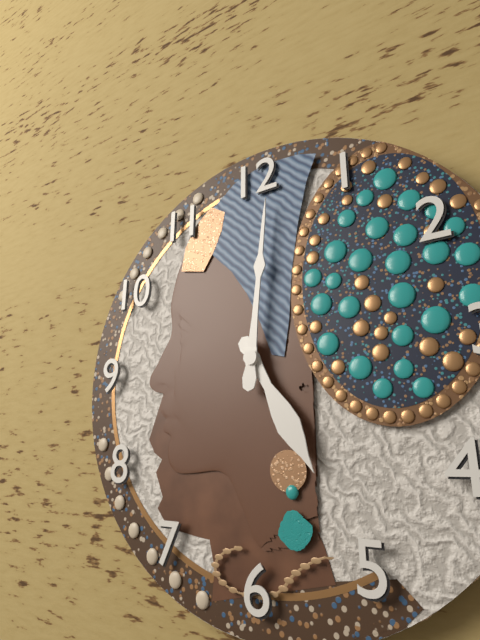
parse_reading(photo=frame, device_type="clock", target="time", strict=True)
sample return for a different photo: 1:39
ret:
5:01
